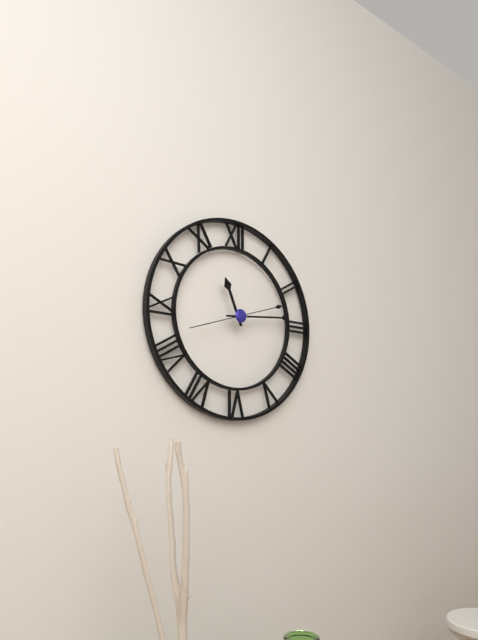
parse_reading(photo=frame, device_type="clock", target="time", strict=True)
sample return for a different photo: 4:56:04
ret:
11:14:42
